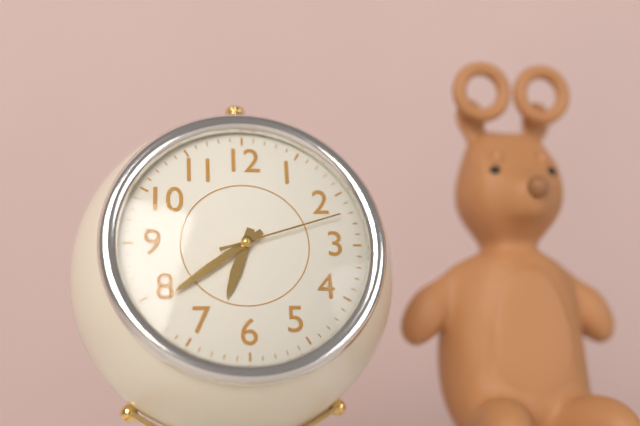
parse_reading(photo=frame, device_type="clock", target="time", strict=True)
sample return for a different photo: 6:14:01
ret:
6:39:12
